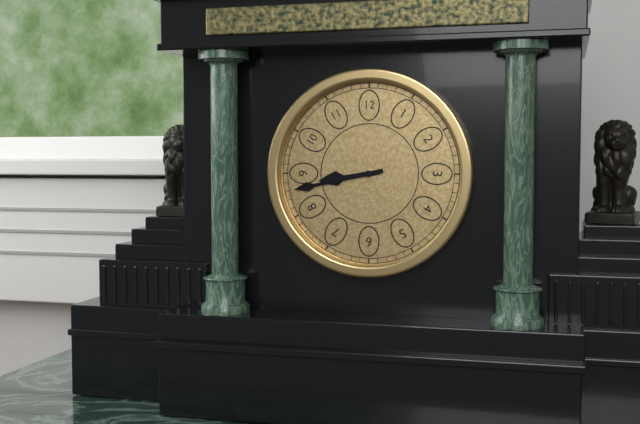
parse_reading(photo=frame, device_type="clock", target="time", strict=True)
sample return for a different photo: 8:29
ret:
8:43
